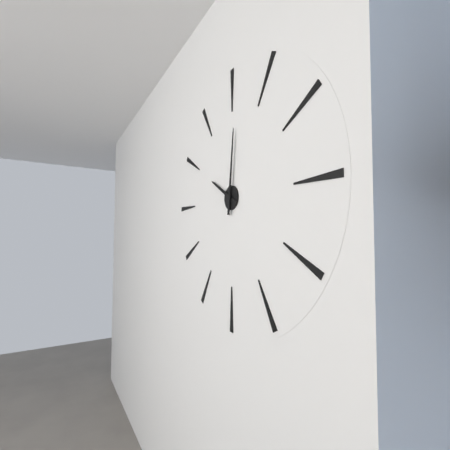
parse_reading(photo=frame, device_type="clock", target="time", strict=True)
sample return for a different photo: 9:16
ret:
10:01
